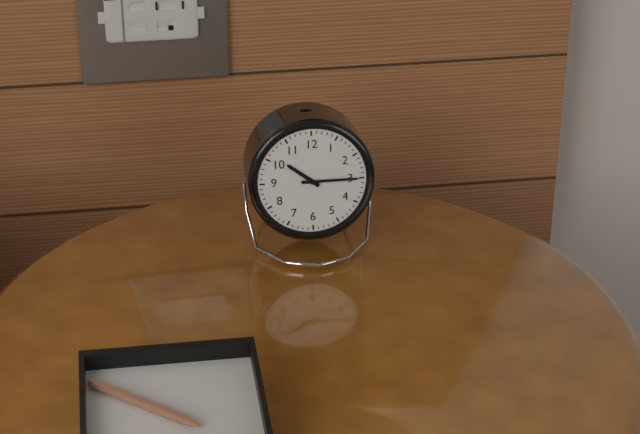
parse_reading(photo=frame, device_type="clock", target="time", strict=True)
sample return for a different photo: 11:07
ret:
10:15
